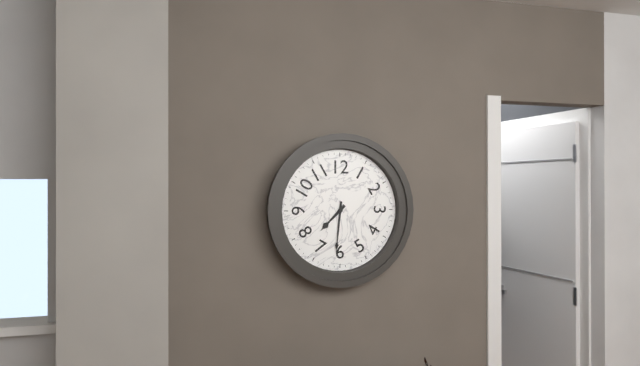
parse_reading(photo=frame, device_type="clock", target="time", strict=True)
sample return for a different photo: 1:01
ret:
7:31
